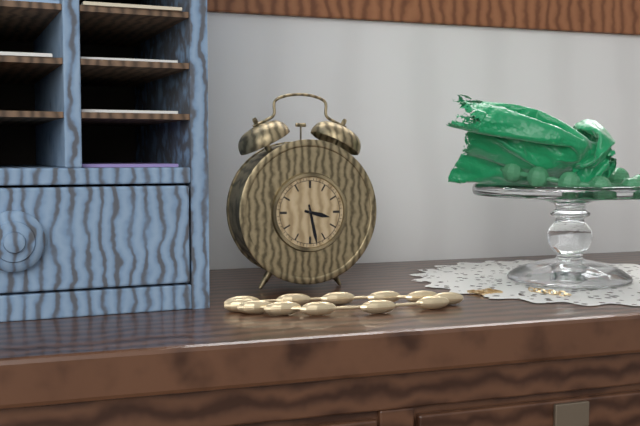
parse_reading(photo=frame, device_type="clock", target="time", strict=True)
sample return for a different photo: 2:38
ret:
3:28
